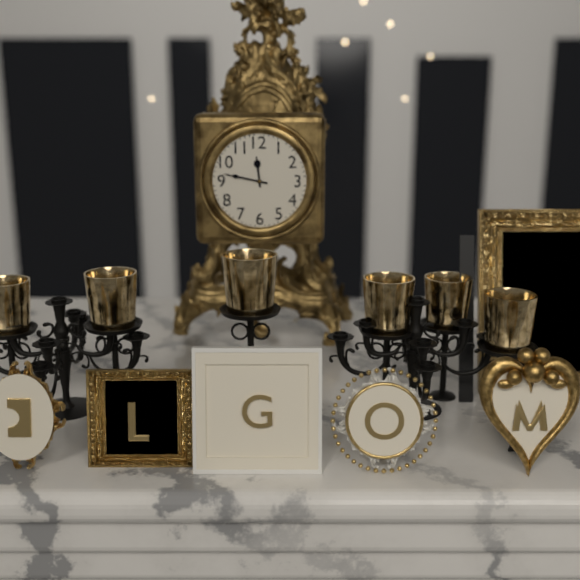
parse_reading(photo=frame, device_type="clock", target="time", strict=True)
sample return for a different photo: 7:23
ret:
11:47
